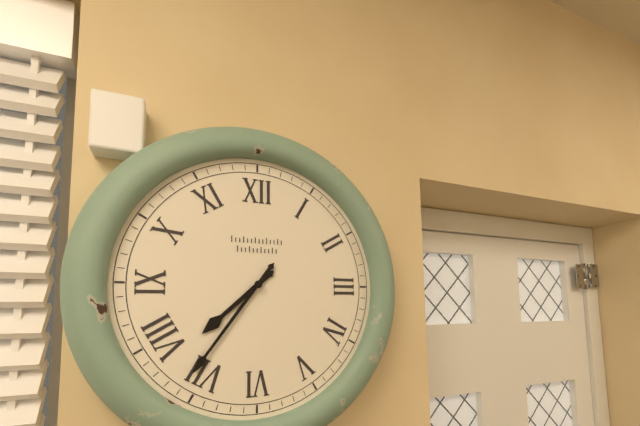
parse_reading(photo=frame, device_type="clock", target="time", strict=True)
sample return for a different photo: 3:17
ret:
7:36
